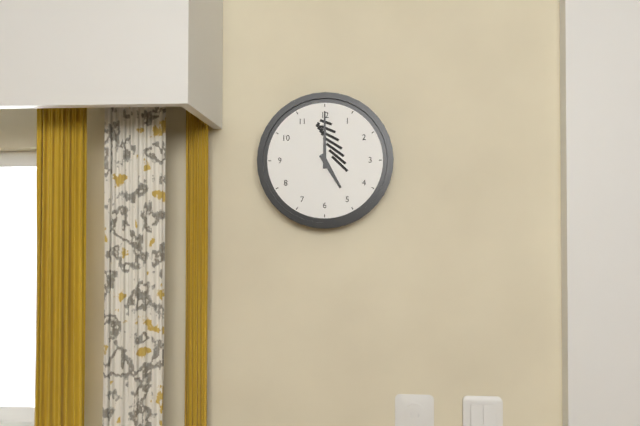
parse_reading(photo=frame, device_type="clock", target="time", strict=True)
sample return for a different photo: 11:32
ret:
5:00
